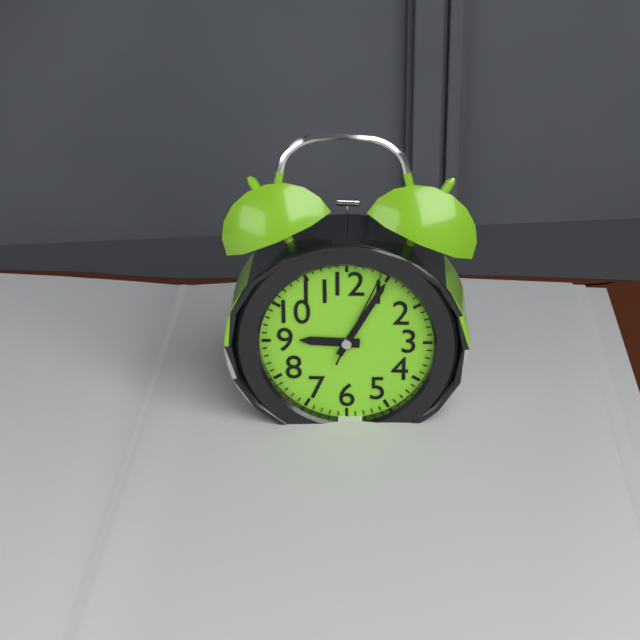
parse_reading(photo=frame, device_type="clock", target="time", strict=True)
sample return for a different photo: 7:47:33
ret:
9:05:04
